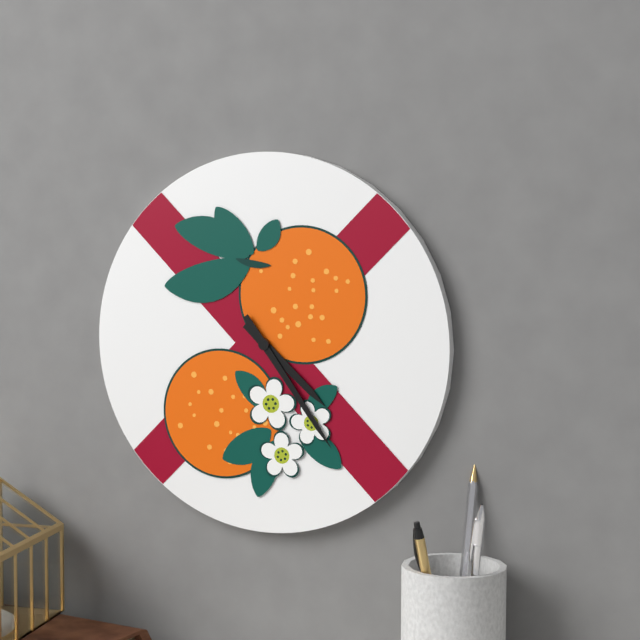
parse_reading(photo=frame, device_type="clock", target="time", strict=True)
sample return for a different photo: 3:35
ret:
4:24
